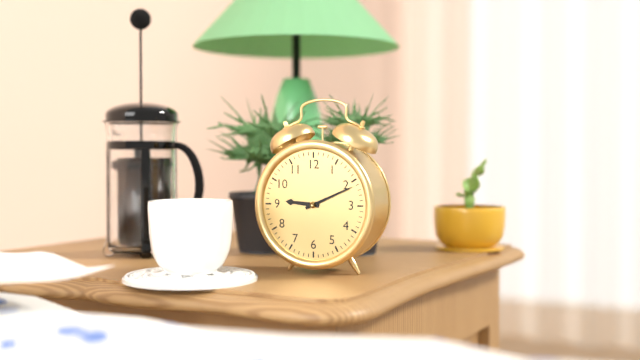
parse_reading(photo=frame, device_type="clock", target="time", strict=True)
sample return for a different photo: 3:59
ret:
9:11
